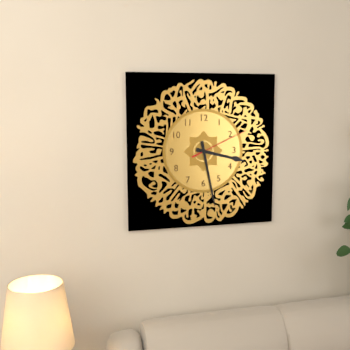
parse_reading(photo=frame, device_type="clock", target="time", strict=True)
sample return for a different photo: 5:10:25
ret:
3:28:11
